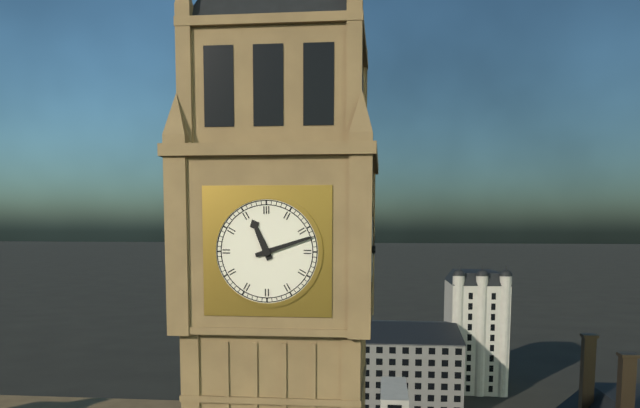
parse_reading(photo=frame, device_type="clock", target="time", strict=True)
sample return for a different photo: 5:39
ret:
11:12
